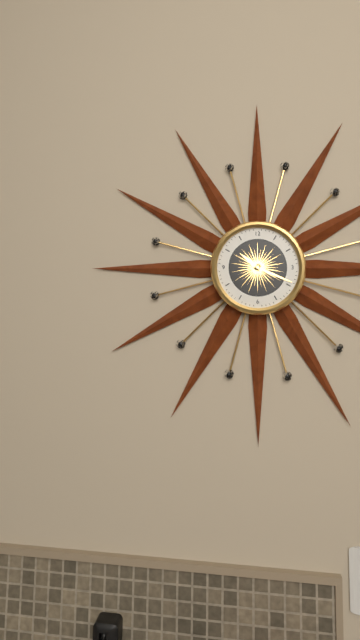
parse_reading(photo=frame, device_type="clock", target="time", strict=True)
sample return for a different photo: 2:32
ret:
10:19
